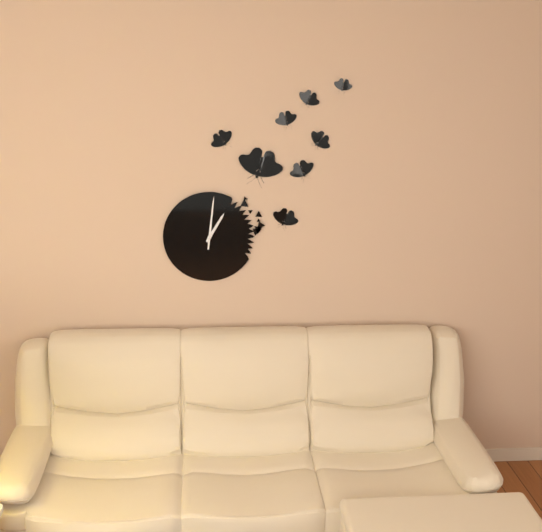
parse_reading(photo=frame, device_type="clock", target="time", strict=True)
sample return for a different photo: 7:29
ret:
1:01
